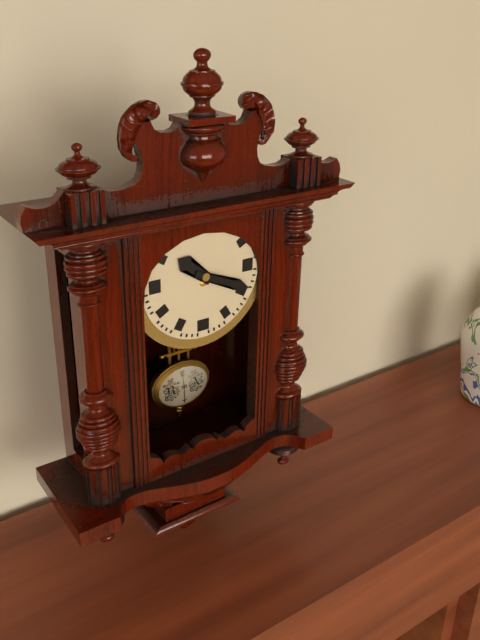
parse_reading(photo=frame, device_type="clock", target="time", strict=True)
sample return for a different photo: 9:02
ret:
10:19
